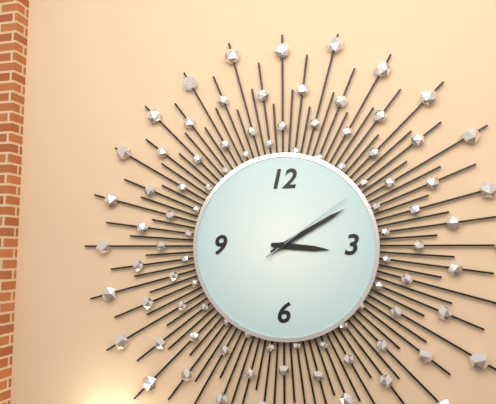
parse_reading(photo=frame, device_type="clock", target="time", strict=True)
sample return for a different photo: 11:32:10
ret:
3:10:09
